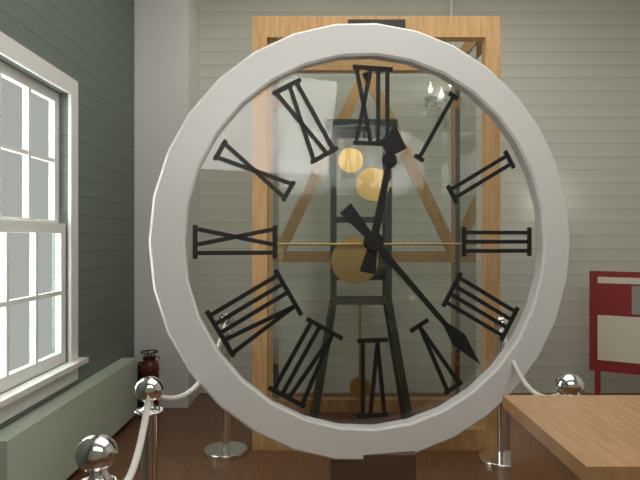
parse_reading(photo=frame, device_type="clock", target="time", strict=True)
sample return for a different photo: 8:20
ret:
12:23
